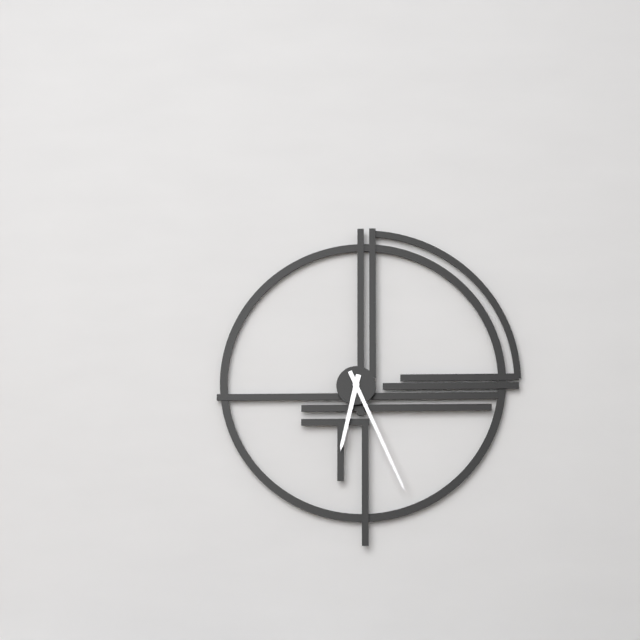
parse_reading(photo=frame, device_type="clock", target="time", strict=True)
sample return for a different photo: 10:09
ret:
6:26
